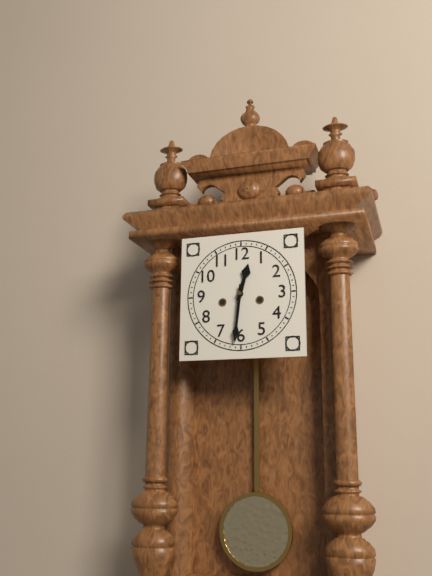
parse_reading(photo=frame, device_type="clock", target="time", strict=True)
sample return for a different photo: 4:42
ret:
12:31
